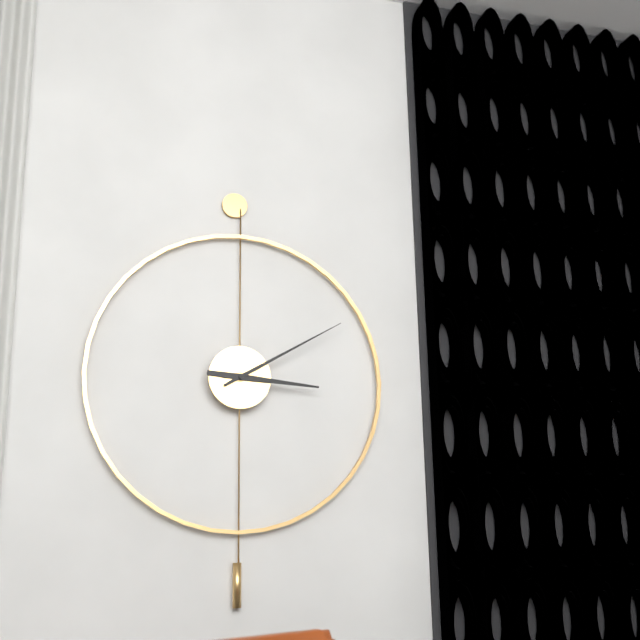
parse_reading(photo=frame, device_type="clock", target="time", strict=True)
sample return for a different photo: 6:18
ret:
3:10
